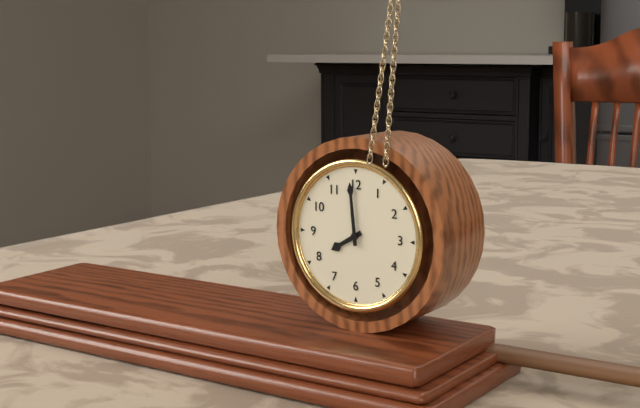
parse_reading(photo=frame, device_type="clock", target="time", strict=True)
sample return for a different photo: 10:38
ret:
7:59
